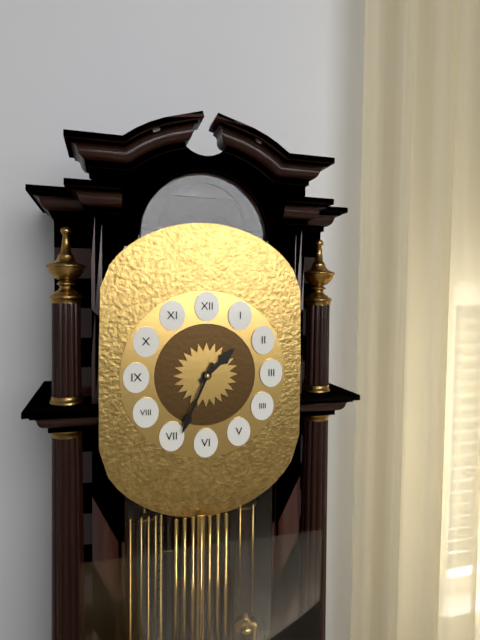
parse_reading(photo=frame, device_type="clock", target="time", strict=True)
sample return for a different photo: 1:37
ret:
1:34
